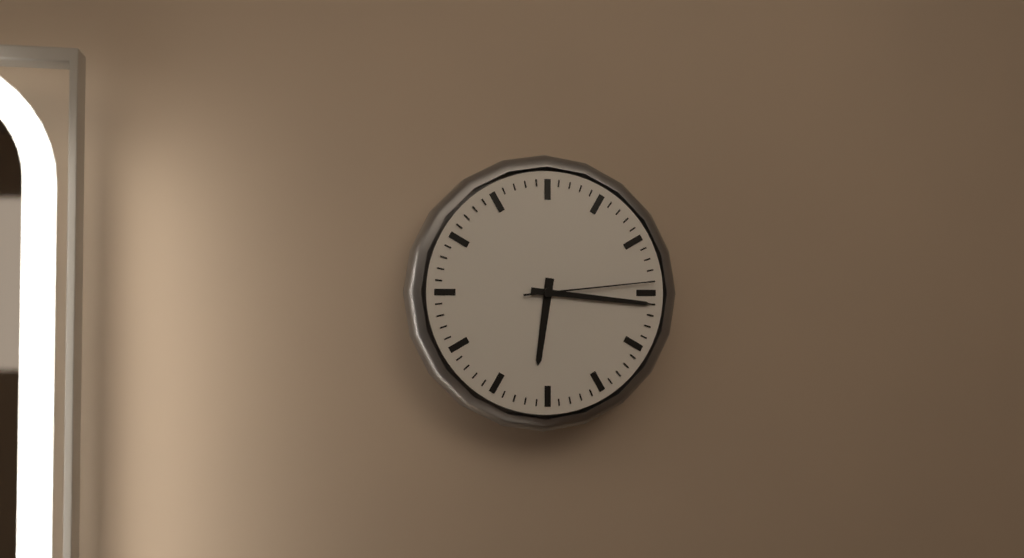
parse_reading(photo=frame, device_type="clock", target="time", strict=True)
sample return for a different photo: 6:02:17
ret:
6:16:14
